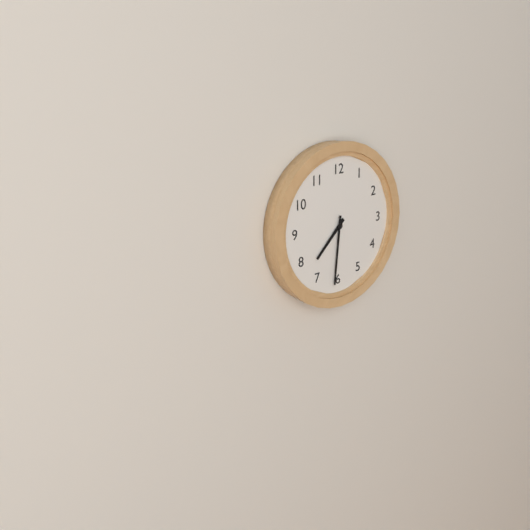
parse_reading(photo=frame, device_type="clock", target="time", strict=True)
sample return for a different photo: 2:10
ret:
7:31
